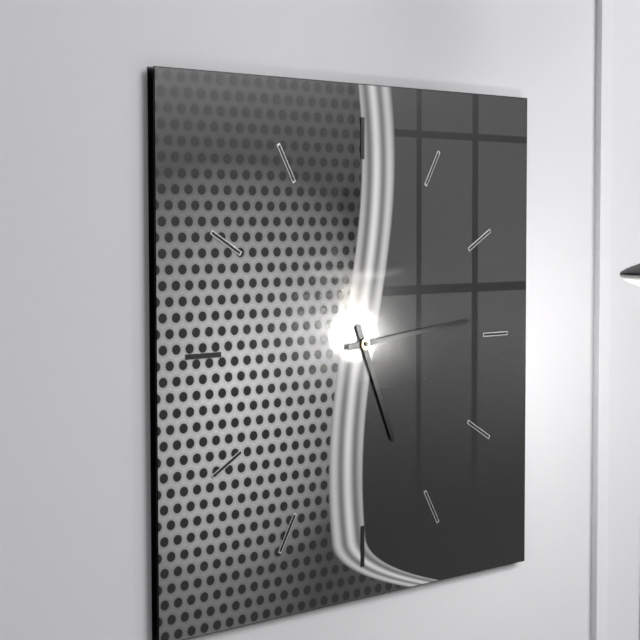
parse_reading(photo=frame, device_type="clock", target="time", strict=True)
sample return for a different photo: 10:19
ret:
5:14
